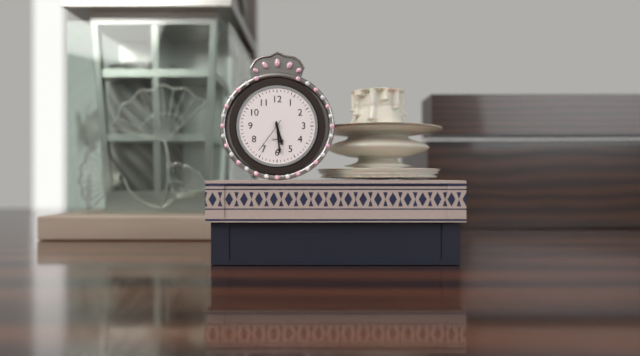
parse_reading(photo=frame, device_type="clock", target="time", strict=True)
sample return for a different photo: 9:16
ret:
5:29
